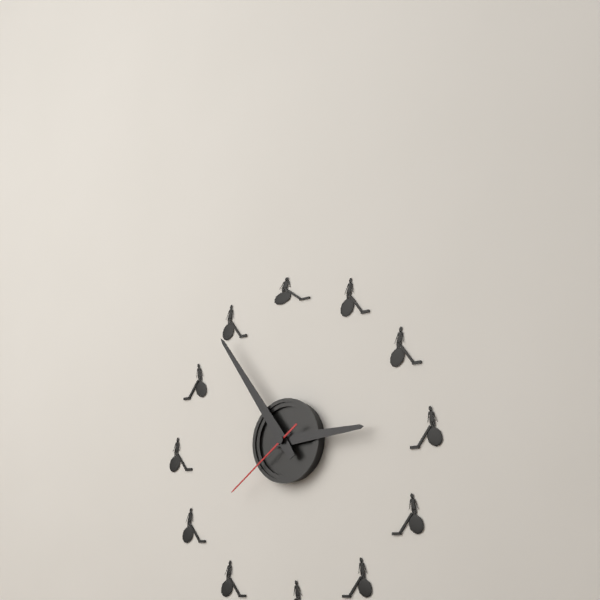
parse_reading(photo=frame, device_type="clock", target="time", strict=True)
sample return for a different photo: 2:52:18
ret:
2:54:39
